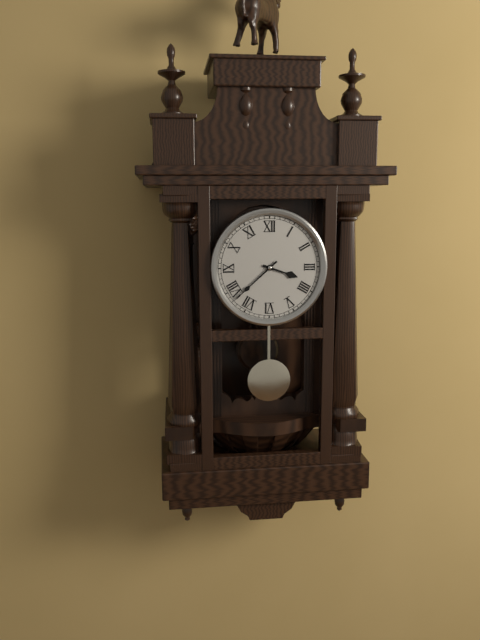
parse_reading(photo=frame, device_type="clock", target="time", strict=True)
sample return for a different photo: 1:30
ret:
3:38
